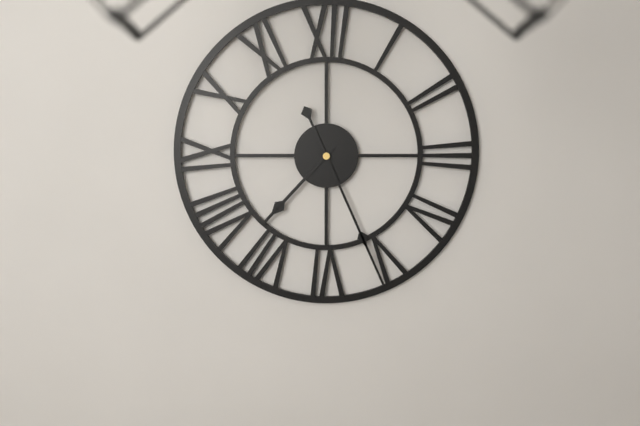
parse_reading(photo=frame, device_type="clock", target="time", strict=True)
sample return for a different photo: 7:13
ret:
7:26
